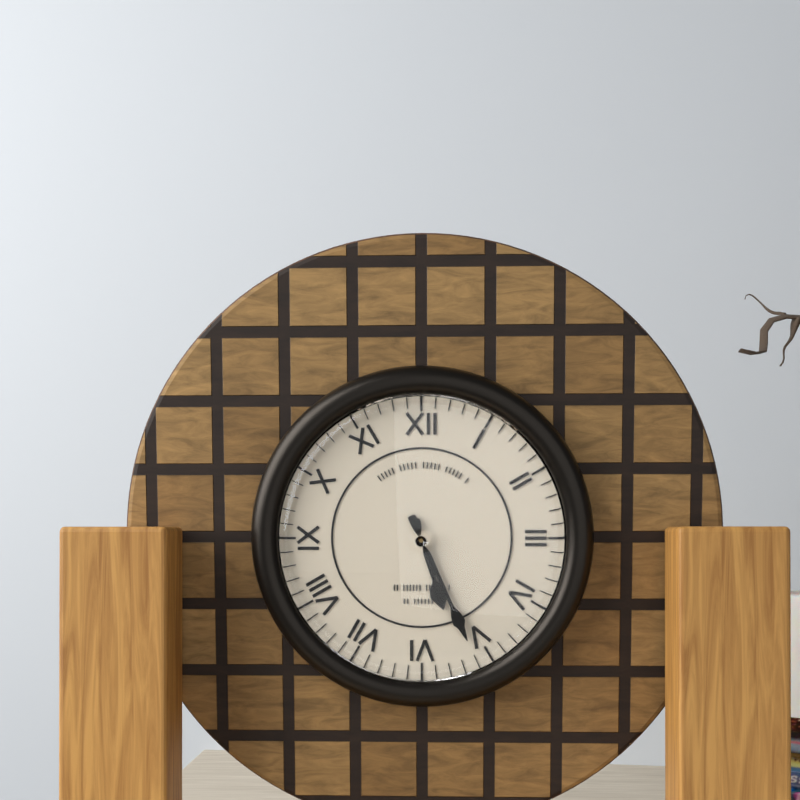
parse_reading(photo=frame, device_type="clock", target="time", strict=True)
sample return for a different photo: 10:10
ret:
5:26
